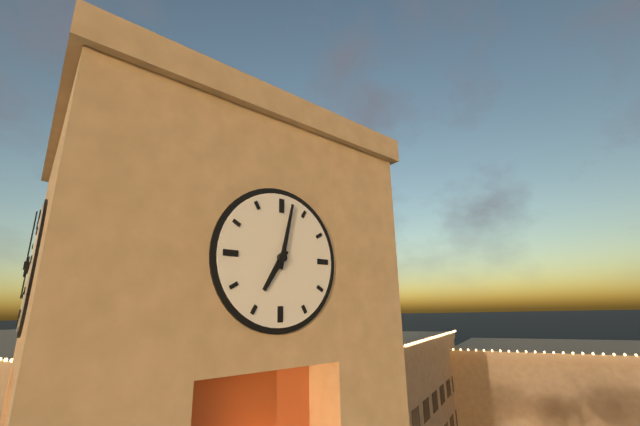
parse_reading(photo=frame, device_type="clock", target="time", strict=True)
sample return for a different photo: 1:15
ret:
7:02
